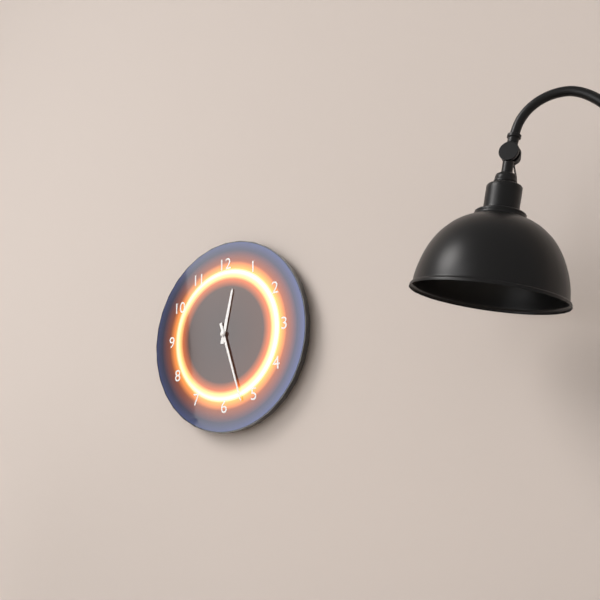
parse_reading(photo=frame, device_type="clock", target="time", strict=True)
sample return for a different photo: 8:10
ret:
12:27
